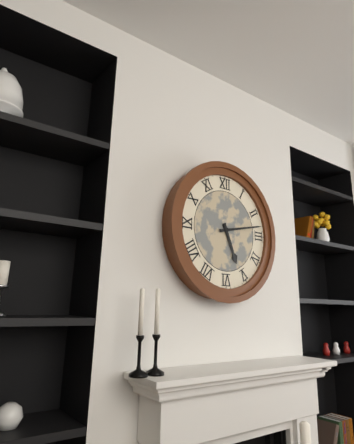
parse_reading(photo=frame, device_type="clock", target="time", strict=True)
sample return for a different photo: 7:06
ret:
5:13
